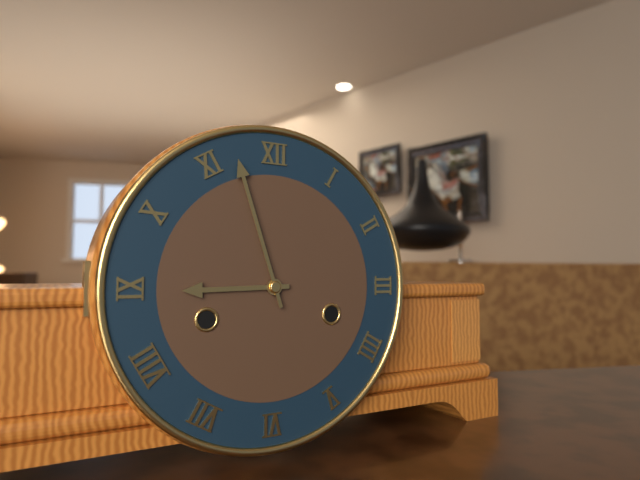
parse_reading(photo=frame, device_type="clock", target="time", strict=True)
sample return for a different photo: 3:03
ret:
8:57
